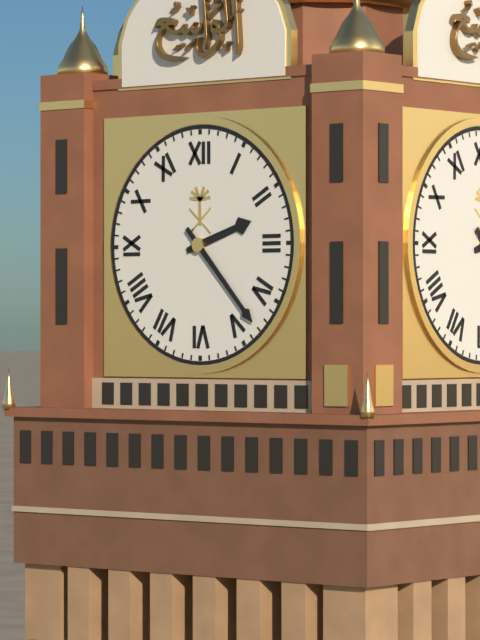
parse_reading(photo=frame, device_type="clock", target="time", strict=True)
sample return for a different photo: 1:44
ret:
2:23
